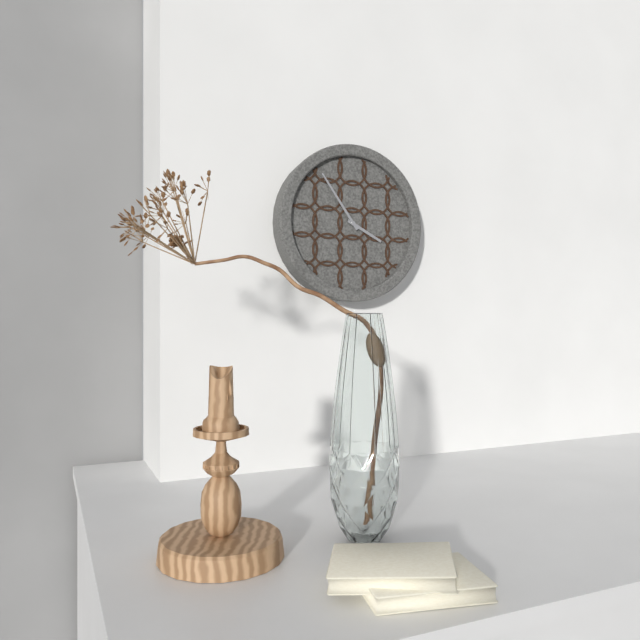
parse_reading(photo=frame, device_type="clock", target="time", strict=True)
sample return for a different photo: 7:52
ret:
3:54
